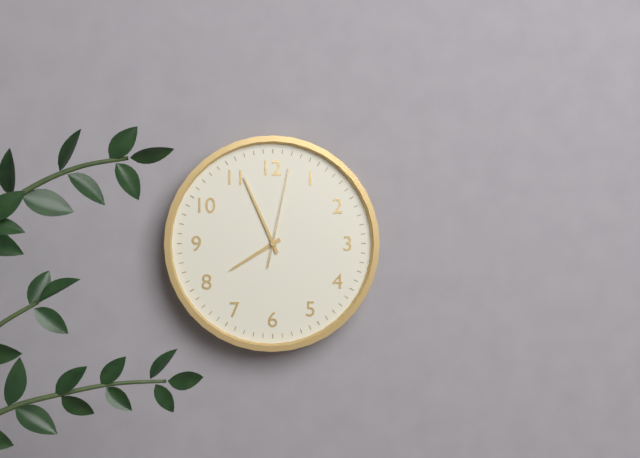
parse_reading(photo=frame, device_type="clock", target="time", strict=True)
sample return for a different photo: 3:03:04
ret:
7:56:02
